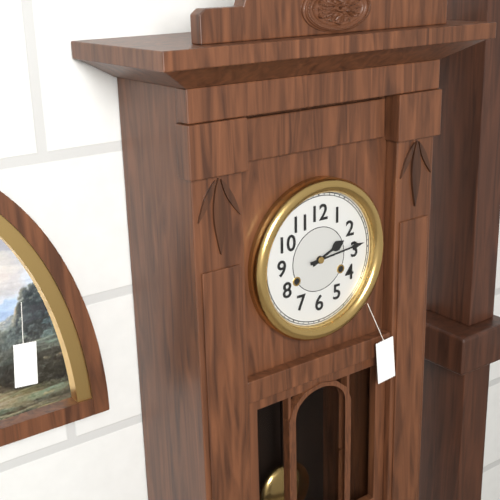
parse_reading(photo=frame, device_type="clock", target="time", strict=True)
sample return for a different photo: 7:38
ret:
2:14
